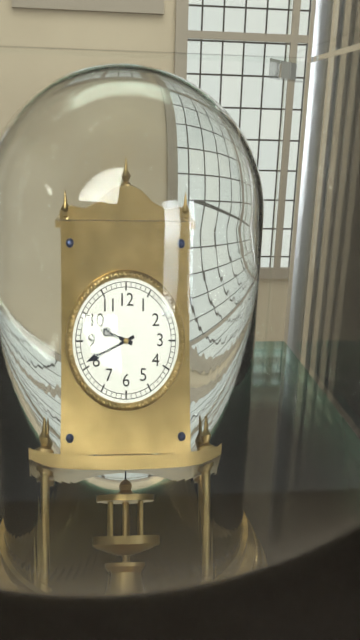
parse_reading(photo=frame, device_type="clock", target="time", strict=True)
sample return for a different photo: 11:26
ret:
9:41
